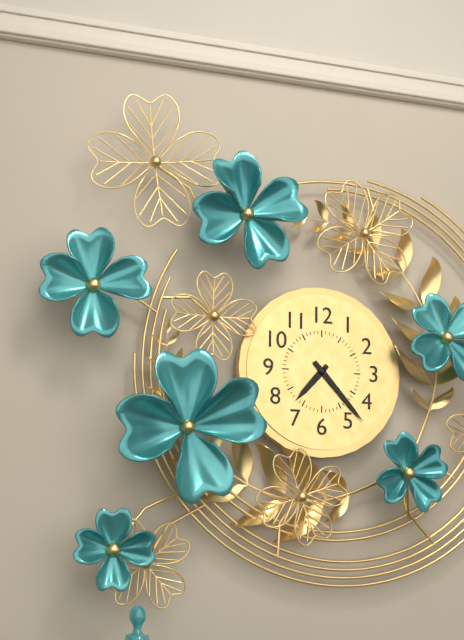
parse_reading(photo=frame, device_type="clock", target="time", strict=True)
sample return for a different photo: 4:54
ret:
7:23
